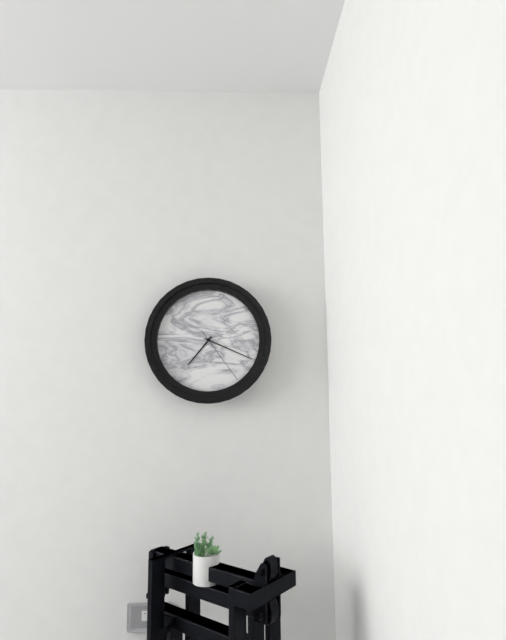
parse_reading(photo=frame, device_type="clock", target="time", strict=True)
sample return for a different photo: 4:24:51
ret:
7:19:24
